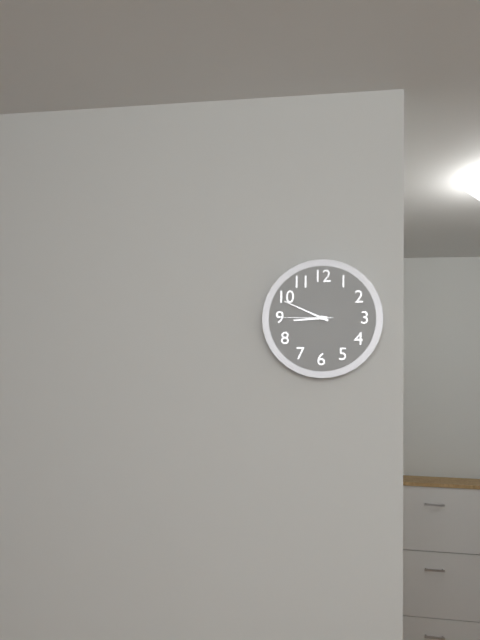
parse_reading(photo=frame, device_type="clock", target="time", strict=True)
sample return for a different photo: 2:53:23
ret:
8:49:45
